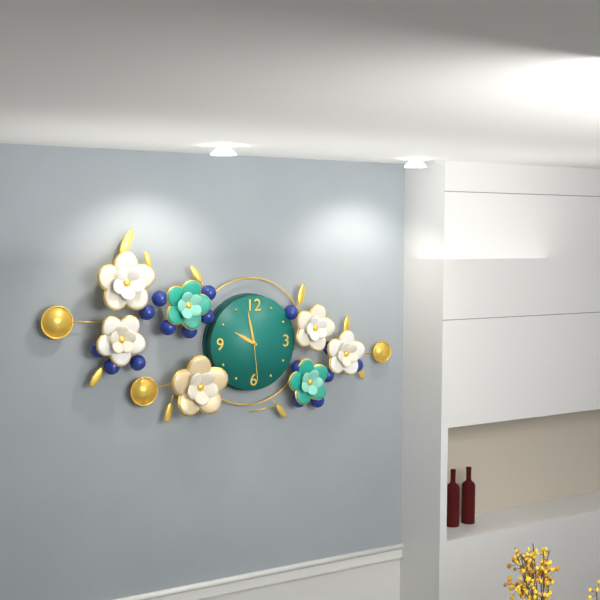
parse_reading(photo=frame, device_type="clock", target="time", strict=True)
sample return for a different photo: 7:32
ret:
9:58
